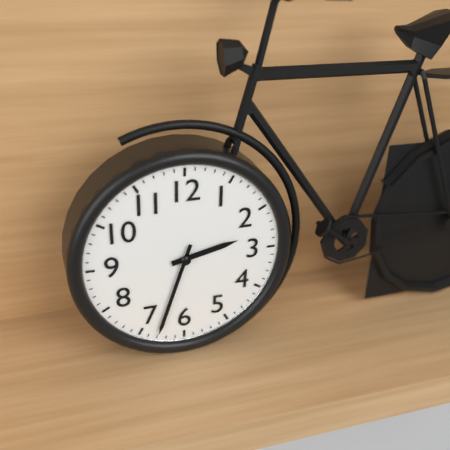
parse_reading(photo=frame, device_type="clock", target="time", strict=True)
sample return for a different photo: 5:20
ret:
2:33
